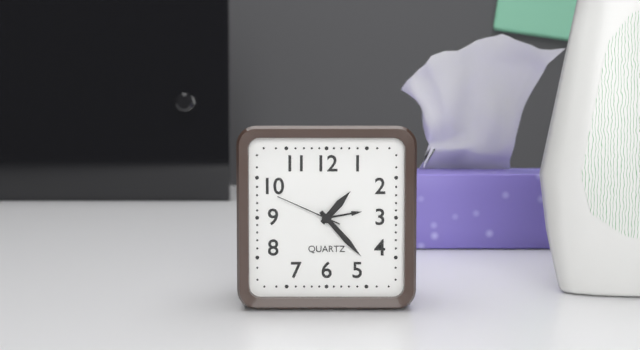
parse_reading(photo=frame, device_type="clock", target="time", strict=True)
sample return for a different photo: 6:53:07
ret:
1:23:49
